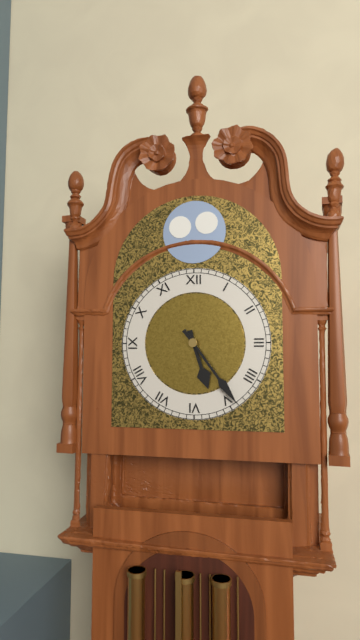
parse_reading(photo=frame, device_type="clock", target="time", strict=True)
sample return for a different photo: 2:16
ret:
5:24
